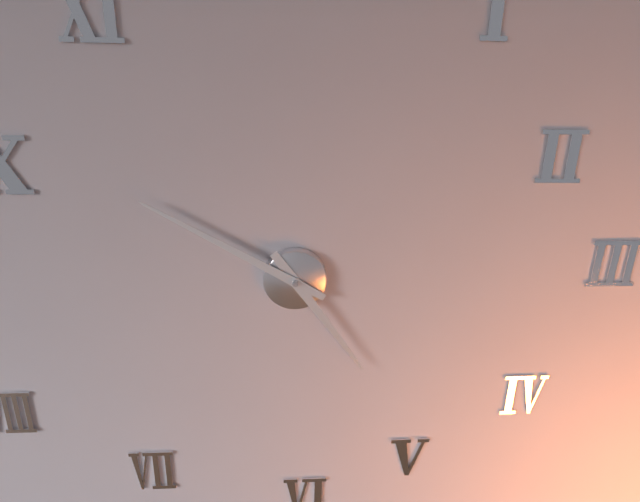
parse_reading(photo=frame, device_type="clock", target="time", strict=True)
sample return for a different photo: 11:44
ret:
4:50
